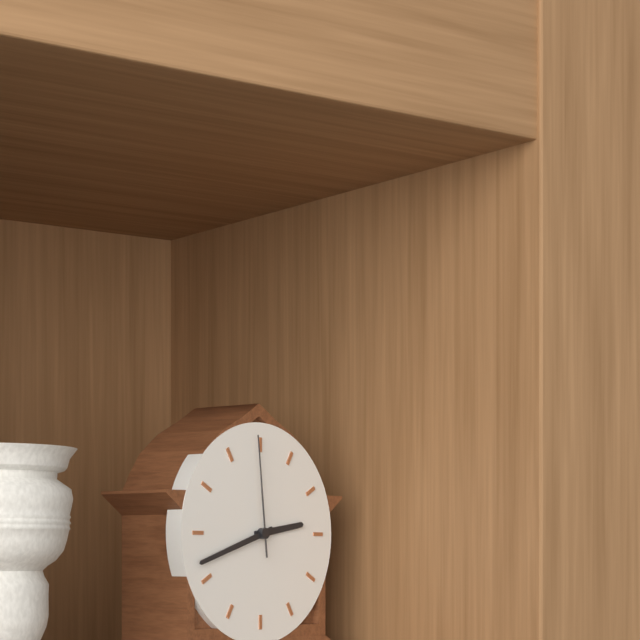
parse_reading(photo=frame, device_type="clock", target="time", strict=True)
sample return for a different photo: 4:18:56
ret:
2:42:59
